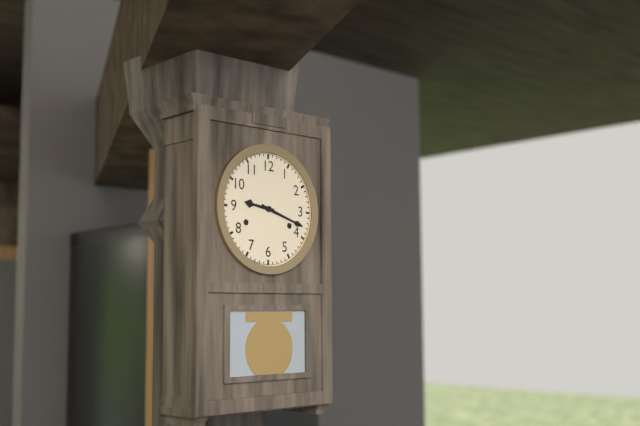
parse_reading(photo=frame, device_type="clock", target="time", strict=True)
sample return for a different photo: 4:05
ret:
9:18
